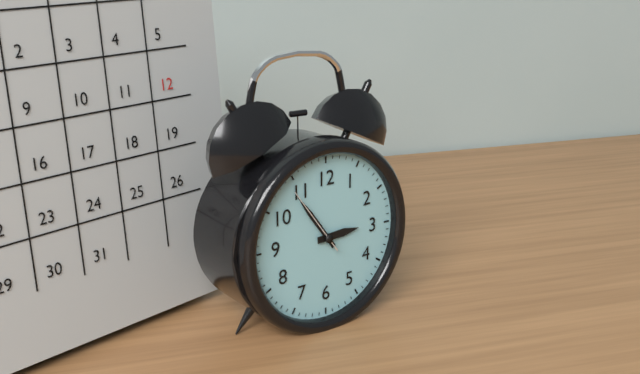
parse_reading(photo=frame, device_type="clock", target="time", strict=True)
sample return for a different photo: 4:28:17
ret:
2:54:54
